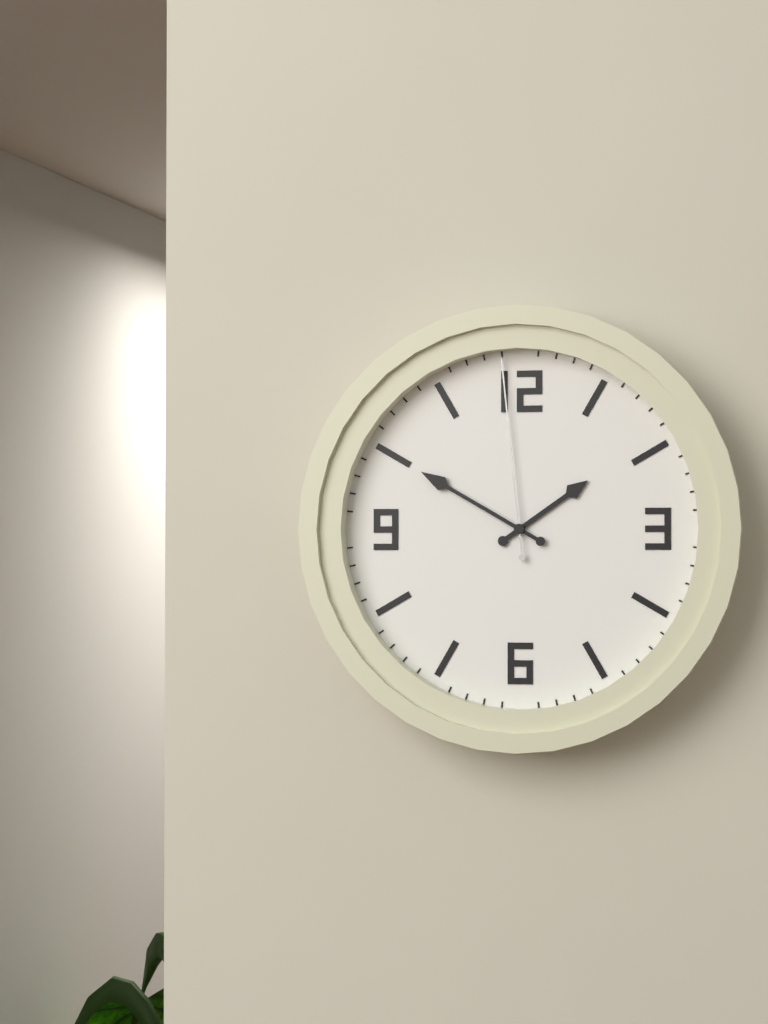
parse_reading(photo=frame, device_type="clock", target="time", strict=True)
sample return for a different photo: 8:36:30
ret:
1:50:59
